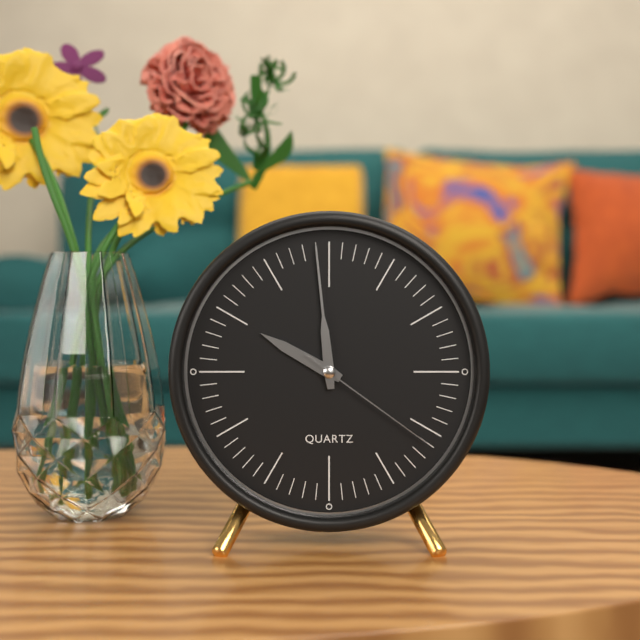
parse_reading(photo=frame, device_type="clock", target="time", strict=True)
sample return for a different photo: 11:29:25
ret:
9:59:21
